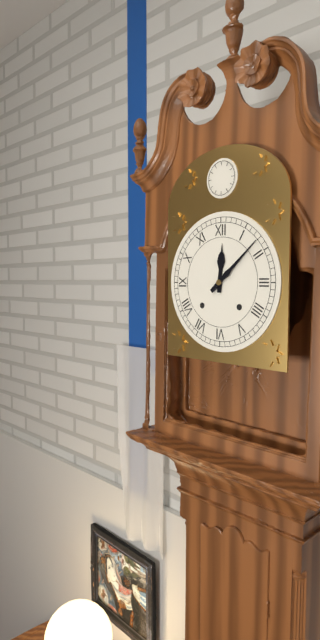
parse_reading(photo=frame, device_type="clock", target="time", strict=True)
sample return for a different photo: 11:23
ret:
12:08
